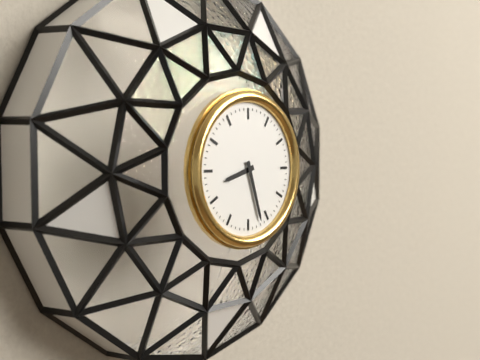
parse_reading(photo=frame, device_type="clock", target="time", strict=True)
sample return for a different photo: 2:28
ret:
8:27
